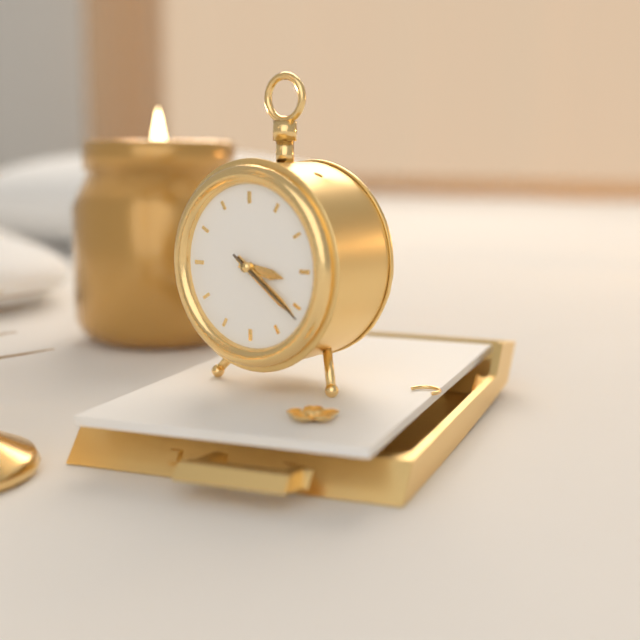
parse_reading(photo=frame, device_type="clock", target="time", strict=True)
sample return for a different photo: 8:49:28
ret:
3:21:21
